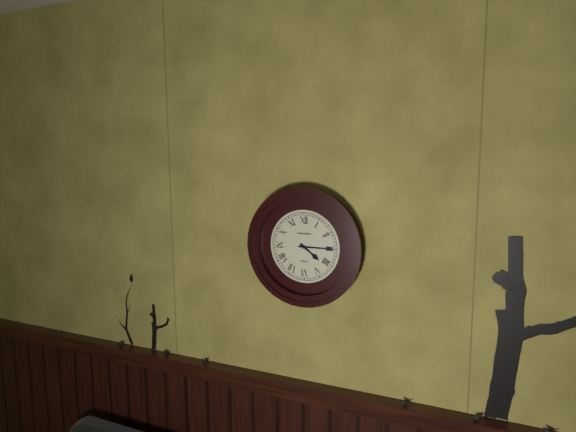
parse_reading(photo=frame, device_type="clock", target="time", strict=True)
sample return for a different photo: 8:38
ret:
4:15
